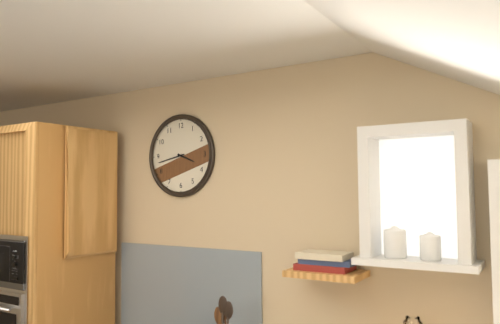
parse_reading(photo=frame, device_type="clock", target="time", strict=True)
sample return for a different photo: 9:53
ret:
3:43
